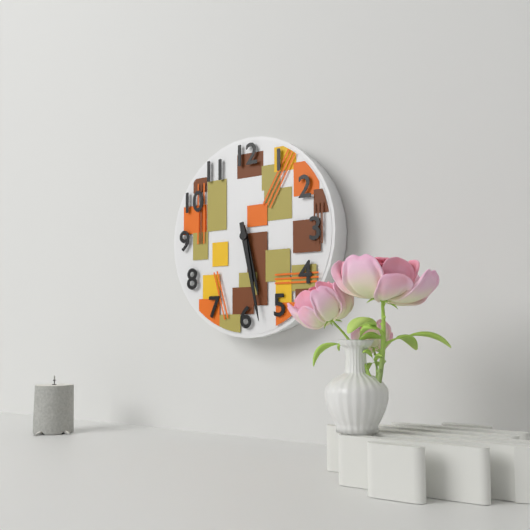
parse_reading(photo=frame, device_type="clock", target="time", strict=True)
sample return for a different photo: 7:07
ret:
5:28
